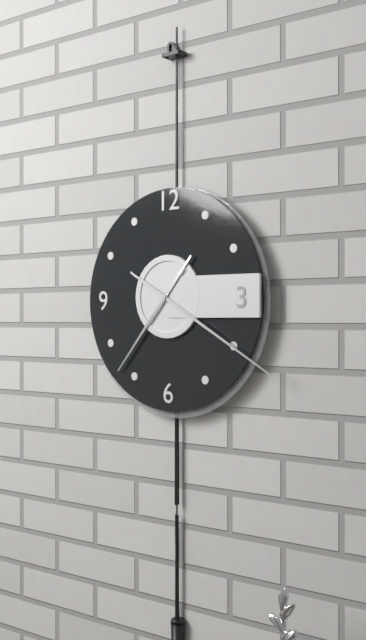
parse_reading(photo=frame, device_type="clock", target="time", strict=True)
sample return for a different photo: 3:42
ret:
7:20
